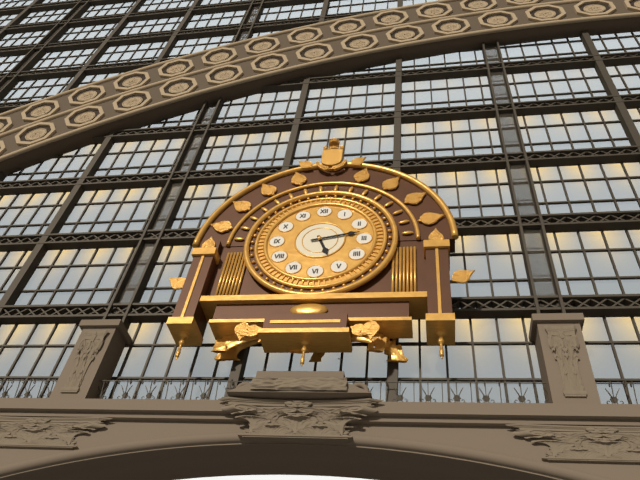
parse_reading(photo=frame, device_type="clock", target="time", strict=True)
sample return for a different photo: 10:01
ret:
5:13
